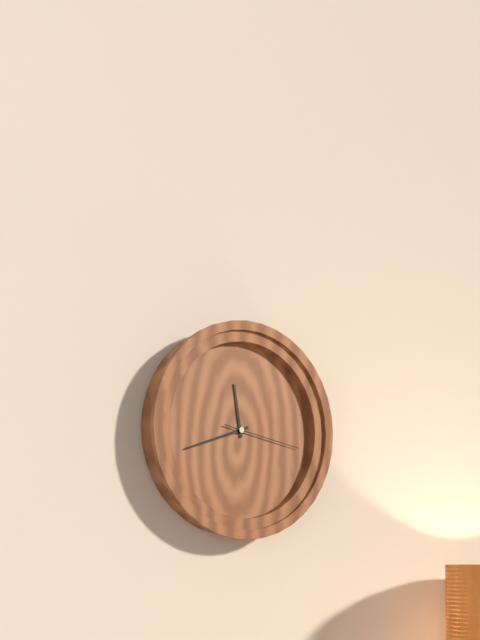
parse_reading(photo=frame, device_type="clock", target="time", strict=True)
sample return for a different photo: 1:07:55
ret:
11:42:17
